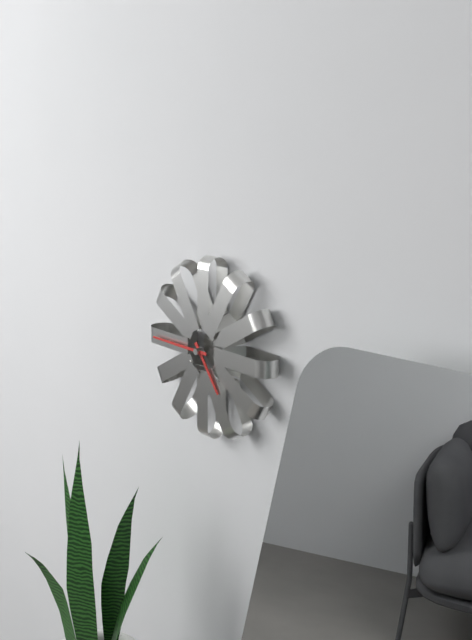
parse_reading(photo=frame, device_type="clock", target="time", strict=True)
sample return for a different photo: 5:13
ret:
4:45
